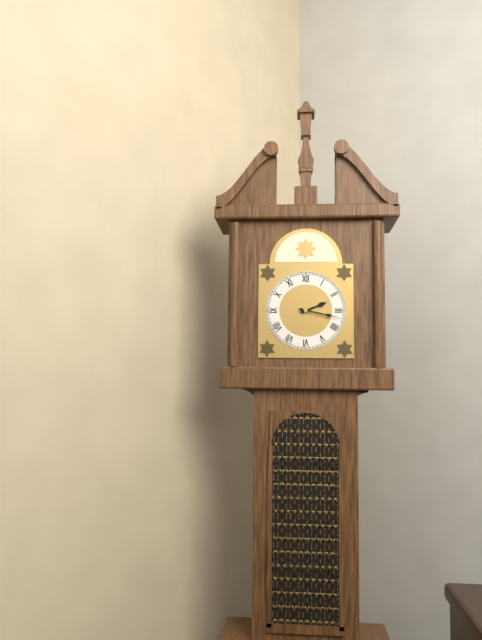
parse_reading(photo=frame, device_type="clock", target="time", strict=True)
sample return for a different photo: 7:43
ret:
2:17
